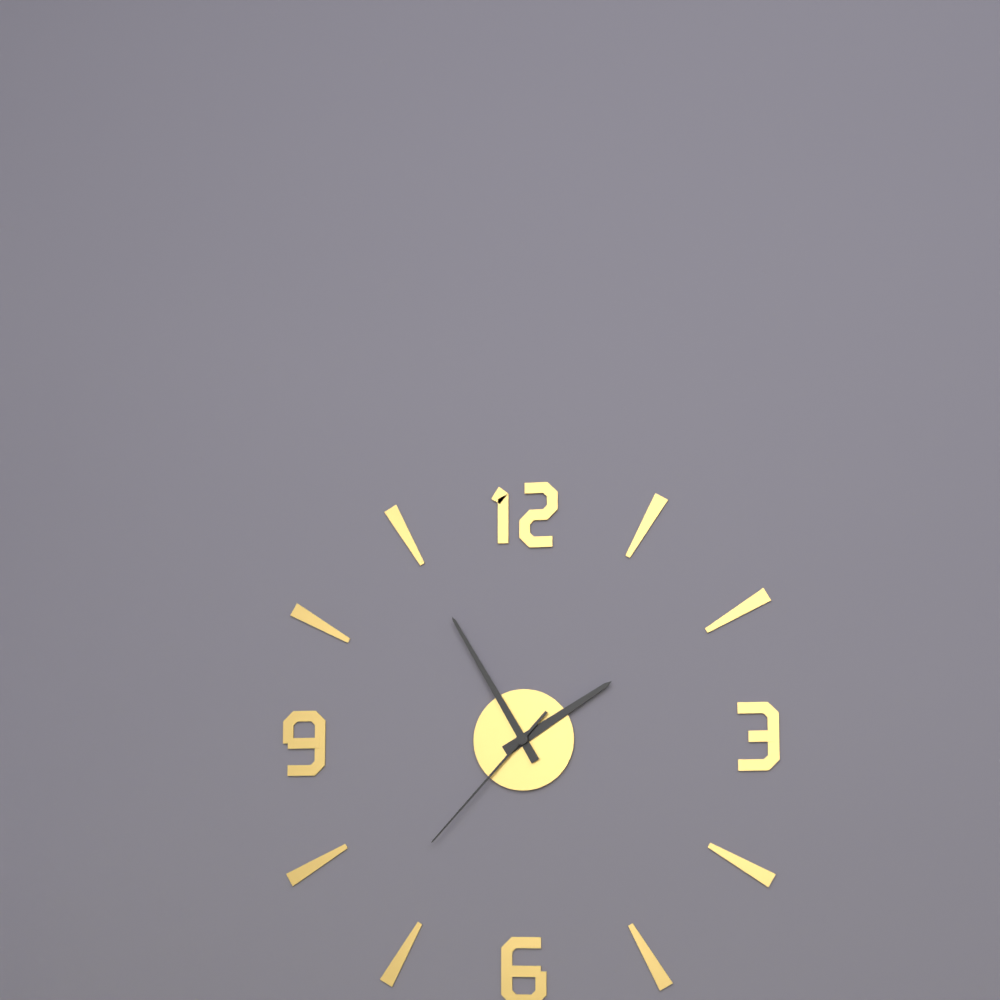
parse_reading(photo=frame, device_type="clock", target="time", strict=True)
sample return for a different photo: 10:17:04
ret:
1:55:37
